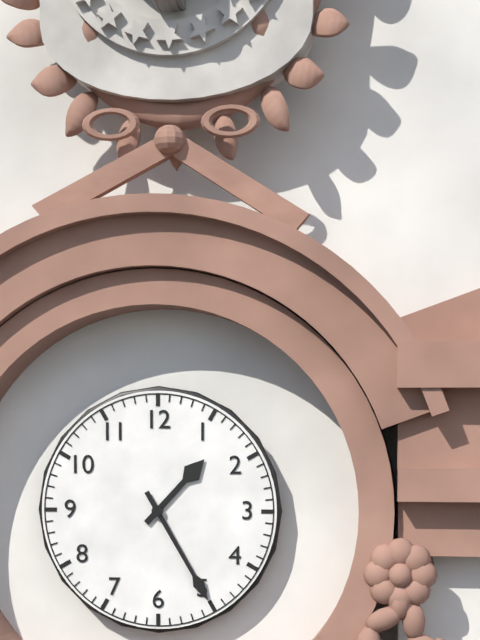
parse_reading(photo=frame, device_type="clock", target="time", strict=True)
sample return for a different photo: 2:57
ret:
1:25
